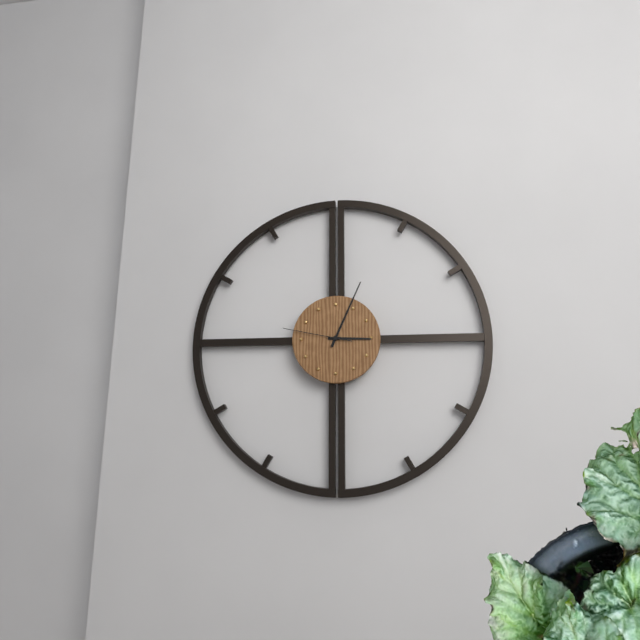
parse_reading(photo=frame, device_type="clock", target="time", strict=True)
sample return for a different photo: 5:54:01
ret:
3:04:47
